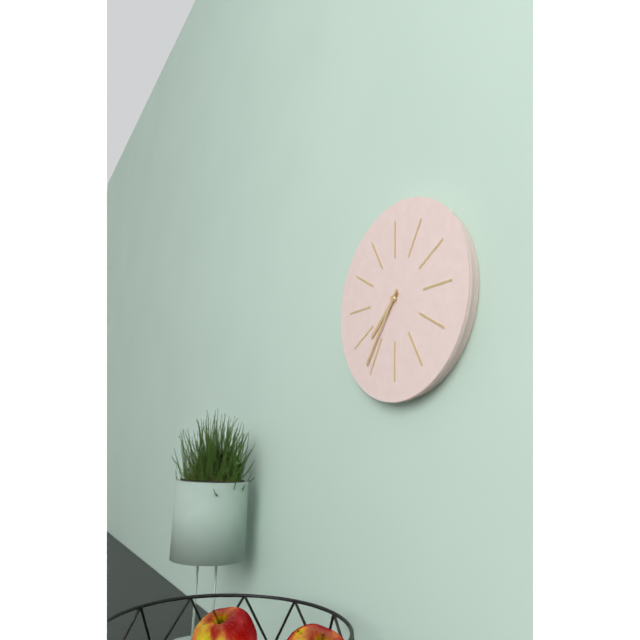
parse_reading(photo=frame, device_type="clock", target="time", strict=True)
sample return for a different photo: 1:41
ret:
7:36
